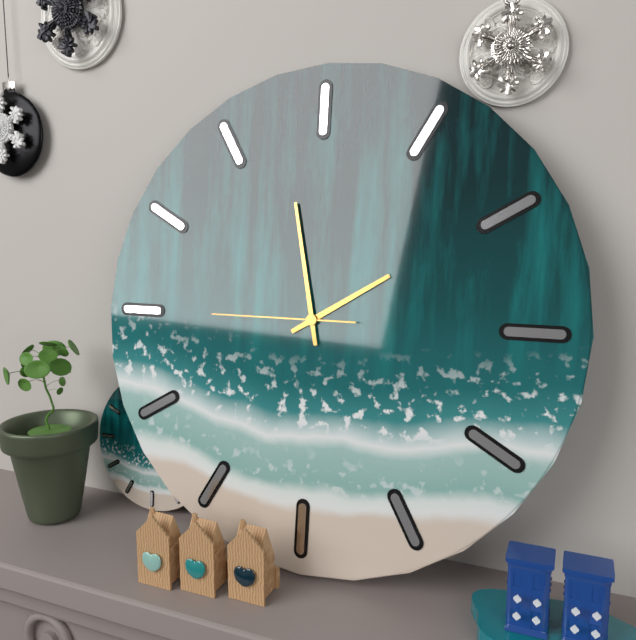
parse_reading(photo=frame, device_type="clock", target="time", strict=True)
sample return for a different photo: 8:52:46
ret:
1:58:45
